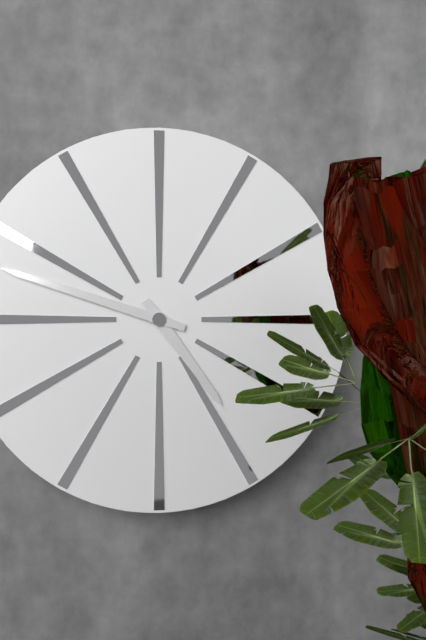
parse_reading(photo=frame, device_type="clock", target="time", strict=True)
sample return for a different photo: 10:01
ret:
4:48
